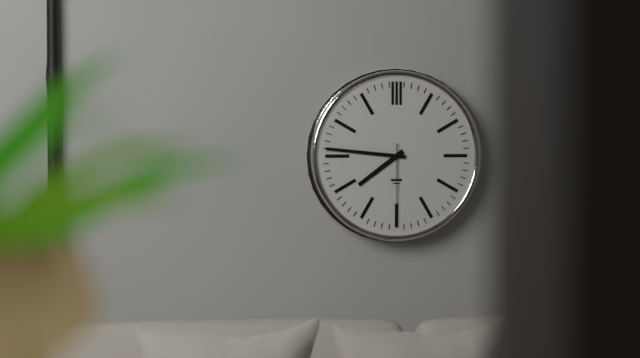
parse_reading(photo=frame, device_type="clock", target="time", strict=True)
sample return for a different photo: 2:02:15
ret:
7:46:30
